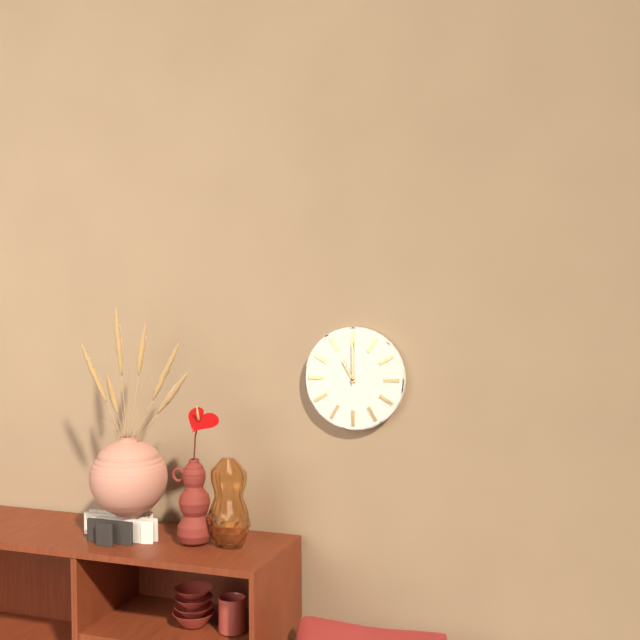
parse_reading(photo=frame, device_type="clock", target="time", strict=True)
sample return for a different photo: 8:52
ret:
11:00
